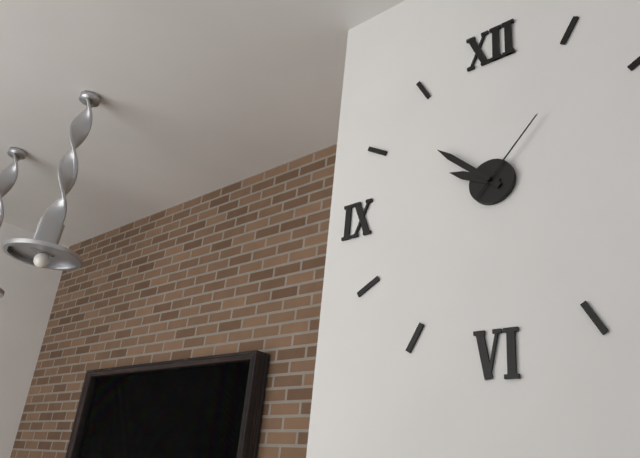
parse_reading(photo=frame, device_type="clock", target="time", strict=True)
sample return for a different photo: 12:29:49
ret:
9:52:07
